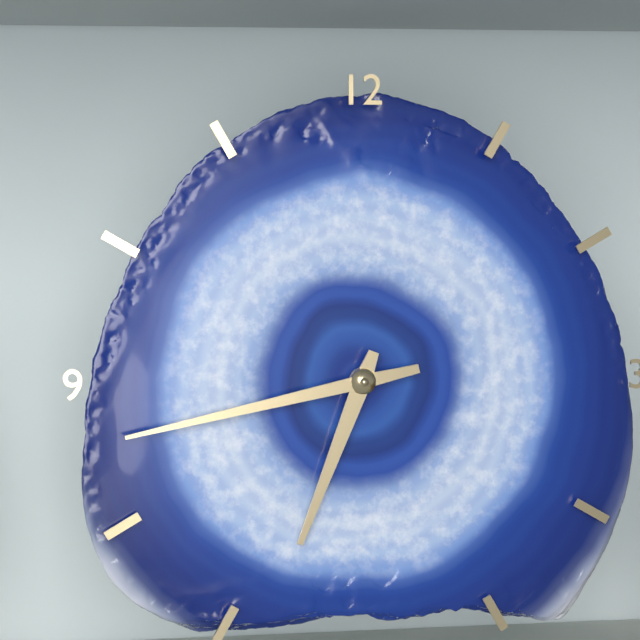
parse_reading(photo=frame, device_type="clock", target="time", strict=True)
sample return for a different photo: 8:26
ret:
6:43
